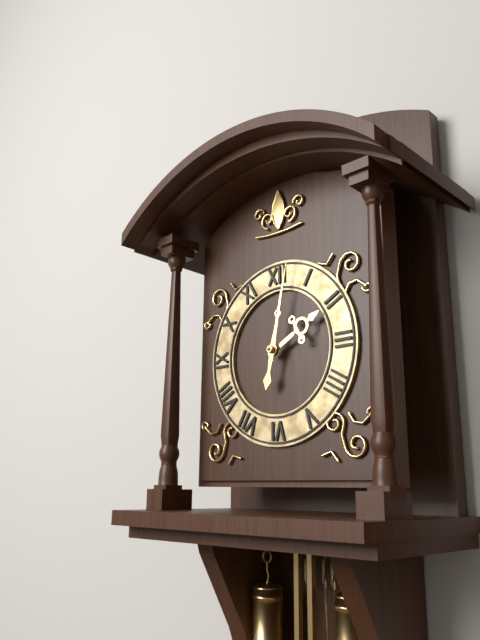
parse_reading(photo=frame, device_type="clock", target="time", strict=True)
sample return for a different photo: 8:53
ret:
2:02
